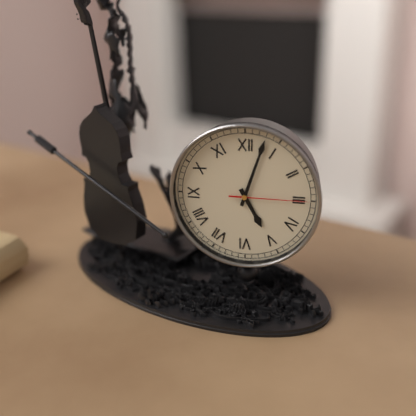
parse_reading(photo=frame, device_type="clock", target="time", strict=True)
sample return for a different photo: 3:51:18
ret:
5:03:15
